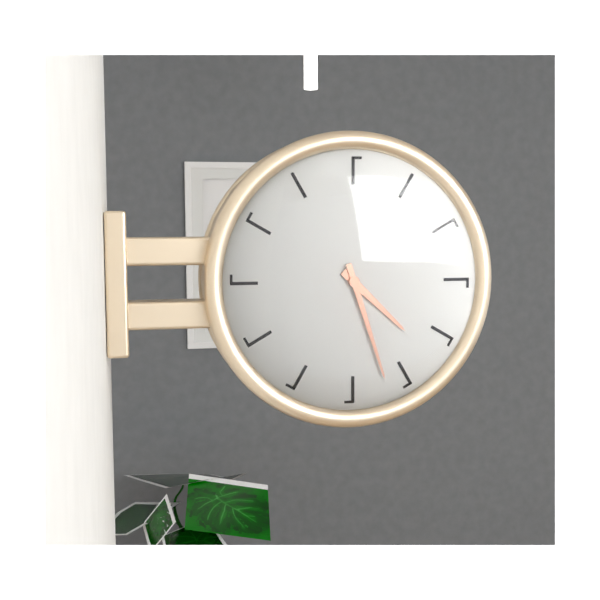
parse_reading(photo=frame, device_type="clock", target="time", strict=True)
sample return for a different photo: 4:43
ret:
4:27
